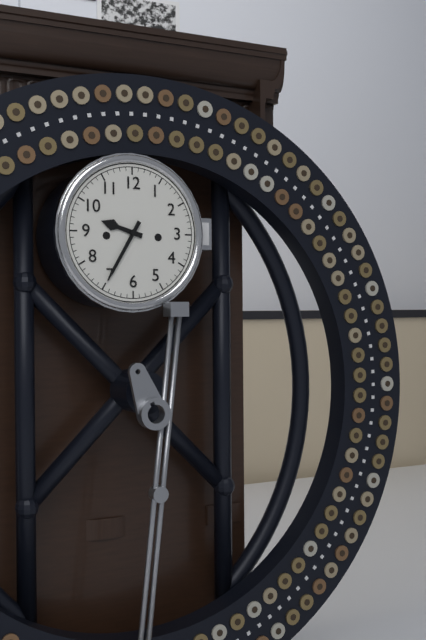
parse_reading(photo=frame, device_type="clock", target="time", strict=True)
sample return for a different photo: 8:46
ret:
9:35
